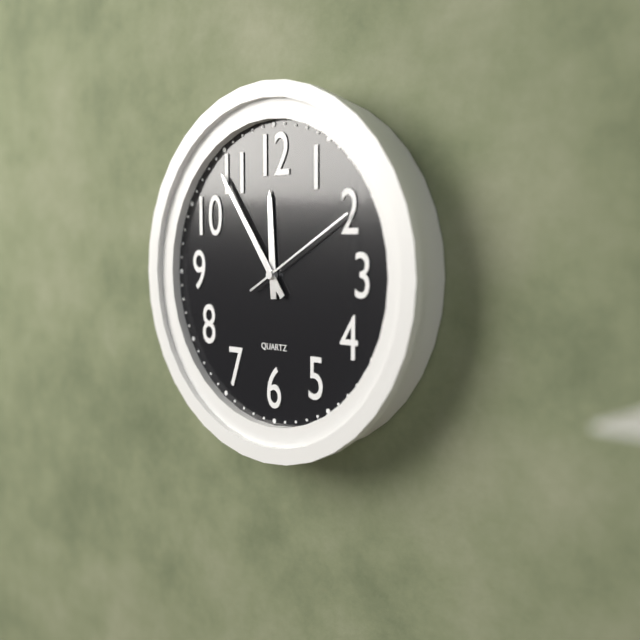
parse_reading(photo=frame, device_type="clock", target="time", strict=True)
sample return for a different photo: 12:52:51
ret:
11:54:10
